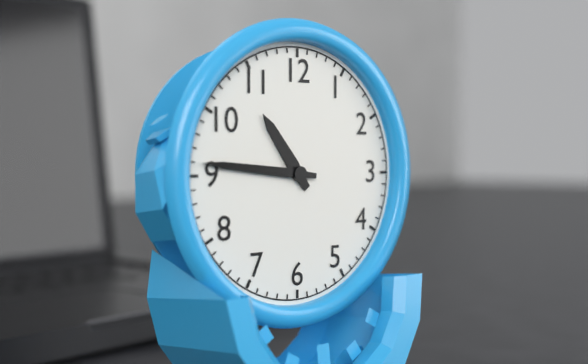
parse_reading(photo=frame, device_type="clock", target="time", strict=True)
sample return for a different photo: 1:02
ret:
10:46
